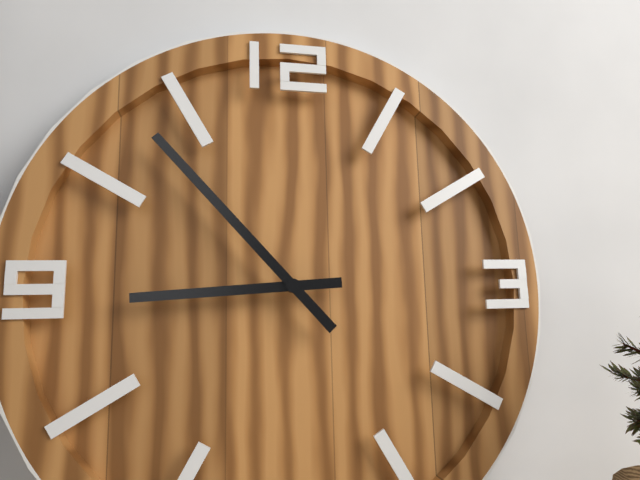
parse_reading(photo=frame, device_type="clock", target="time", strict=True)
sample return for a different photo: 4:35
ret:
8:53
